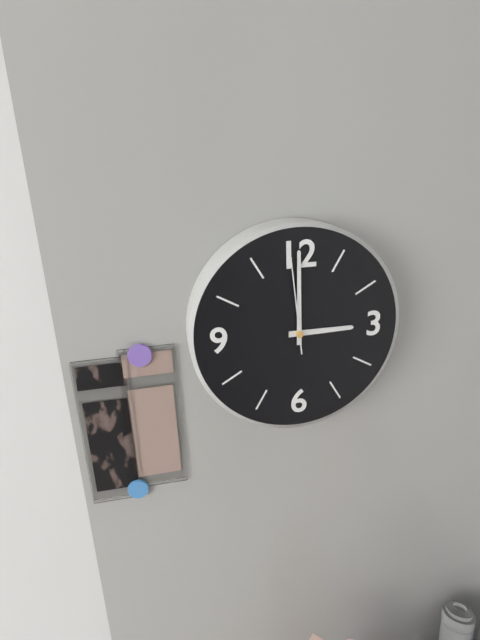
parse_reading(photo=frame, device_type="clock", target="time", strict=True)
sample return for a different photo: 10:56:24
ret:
3:00:59
